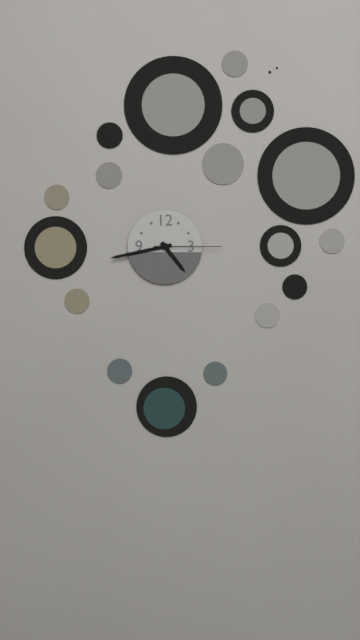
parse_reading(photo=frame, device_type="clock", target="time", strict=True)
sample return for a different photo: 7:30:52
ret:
4:43:15
